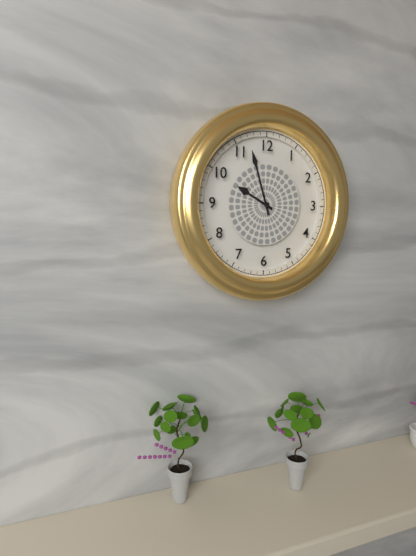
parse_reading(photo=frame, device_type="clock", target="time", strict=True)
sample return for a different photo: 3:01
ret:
9:57
